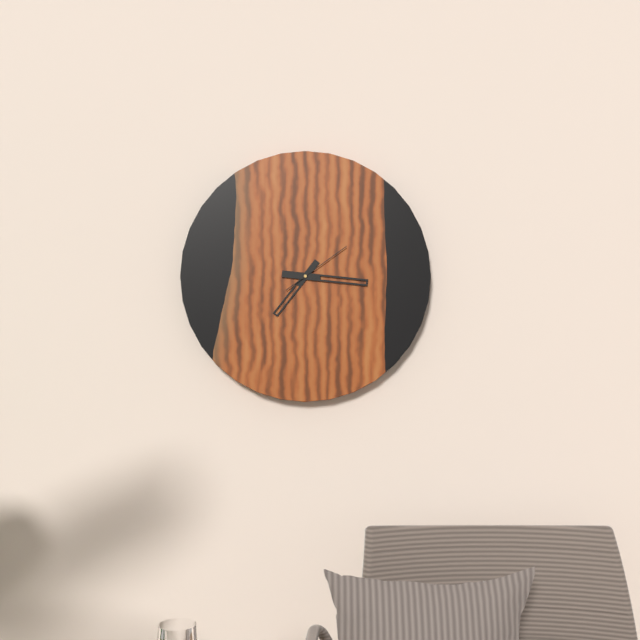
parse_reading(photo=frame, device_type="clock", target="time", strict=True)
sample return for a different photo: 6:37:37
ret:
7:16:09
